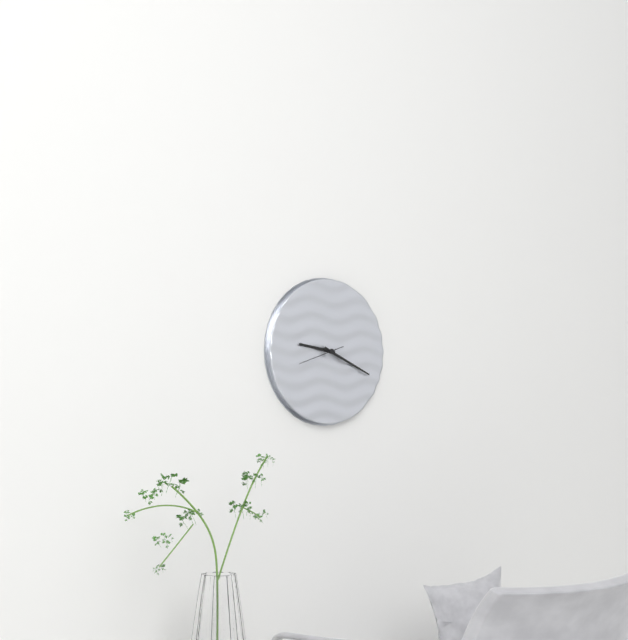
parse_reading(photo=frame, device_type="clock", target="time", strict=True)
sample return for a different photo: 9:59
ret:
9:19
